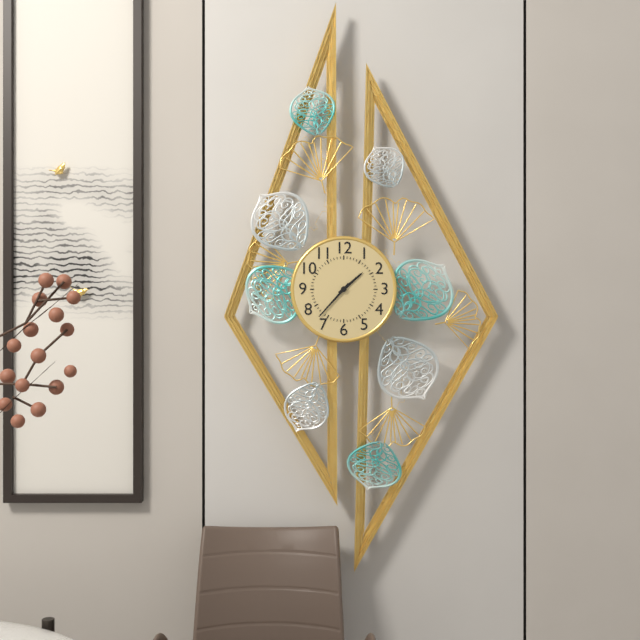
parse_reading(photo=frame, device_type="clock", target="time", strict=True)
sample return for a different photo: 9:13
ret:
1:37
